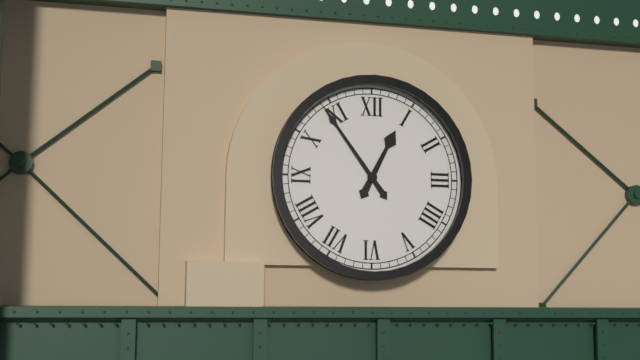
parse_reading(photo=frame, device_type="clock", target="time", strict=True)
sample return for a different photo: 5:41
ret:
12:54
